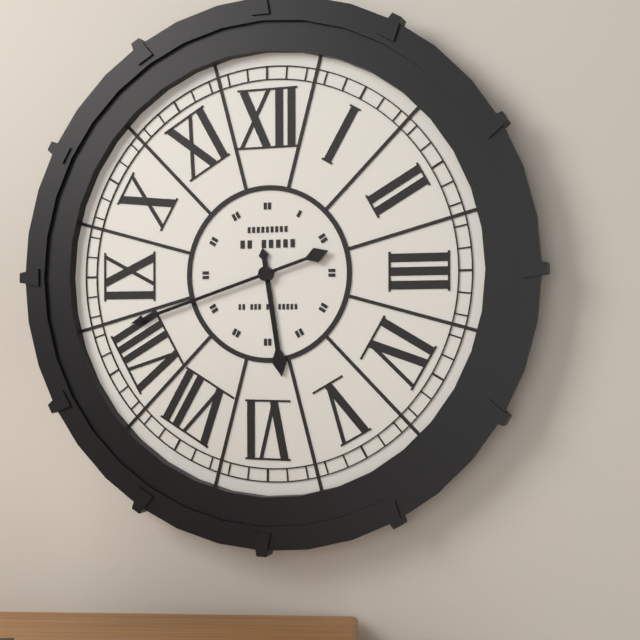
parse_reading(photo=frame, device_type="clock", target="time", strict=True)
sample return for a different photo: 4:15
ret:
5:42
